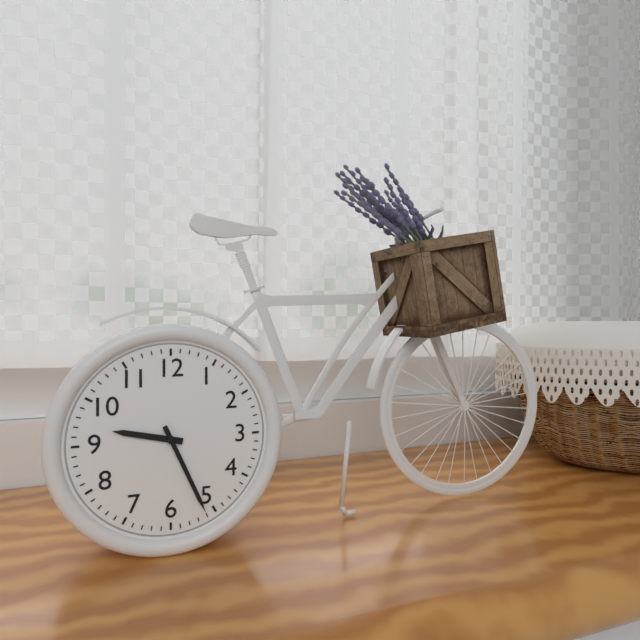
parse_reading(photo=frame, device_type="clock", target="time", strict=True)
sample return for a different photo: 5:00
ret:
9:26
